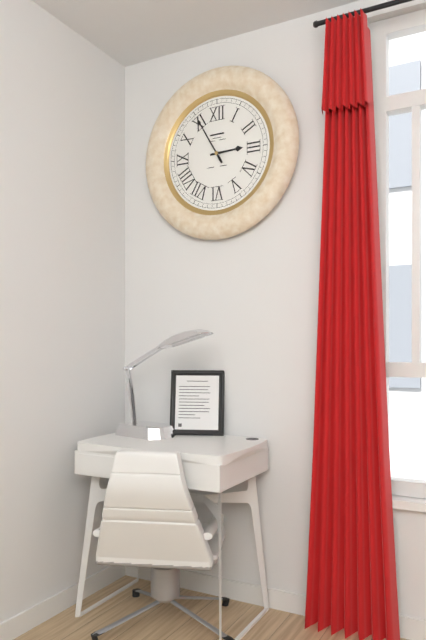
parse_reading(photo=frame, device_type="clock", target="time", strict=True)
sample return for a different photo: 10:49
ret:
2:55
